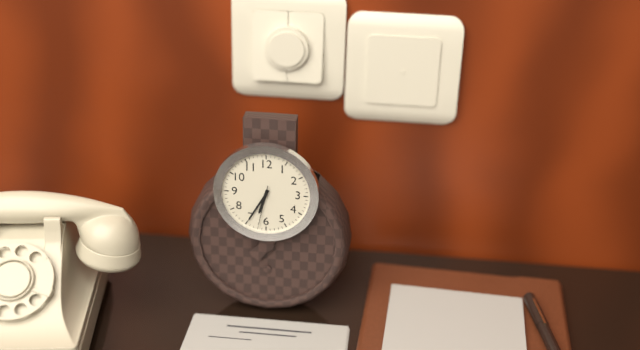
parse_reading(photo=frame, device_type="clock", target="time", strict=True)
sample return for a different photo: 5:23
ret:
6:35
